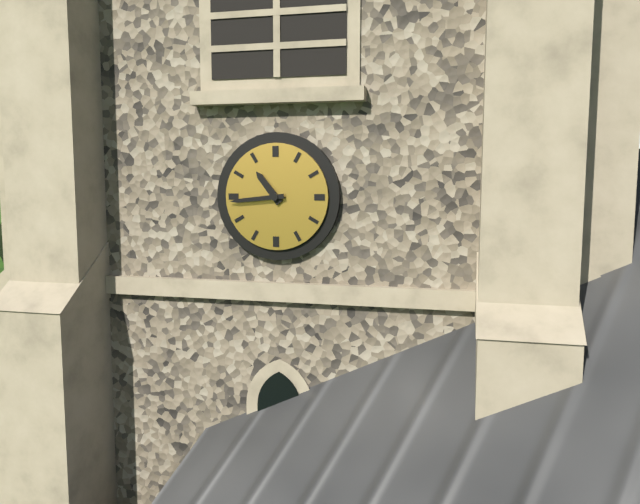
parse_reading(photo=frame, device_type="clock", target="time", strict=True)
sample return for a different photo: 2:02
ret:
10:44
